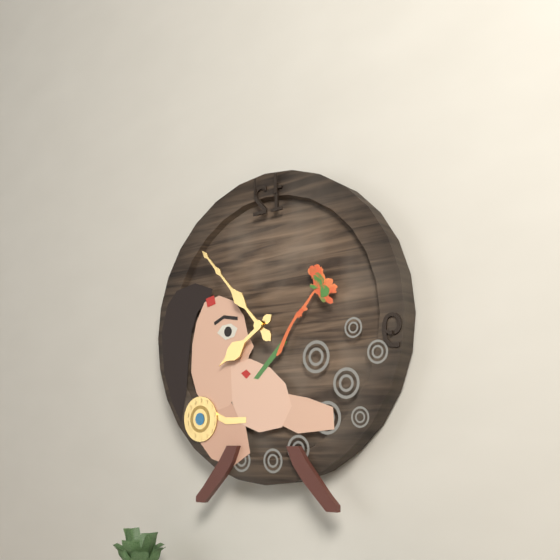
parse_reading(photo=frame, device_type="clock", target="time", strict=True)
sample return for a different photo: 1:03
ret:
7:53
